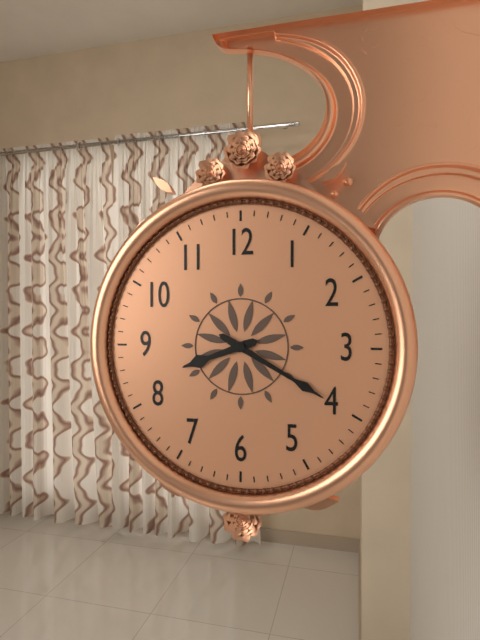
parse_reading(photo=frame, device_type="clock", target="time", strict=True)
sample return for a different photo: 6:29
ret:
8:20
